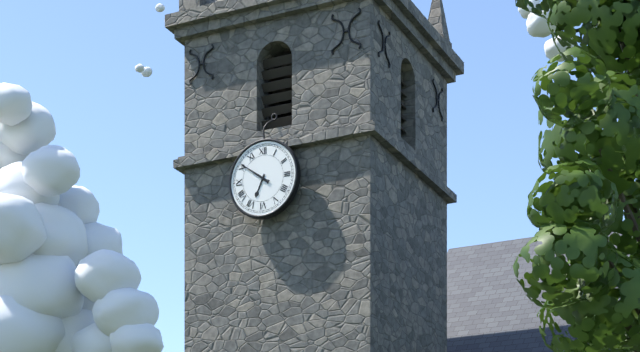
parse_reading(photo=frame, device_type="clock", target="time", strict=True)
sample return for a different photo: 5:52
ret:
6:51
